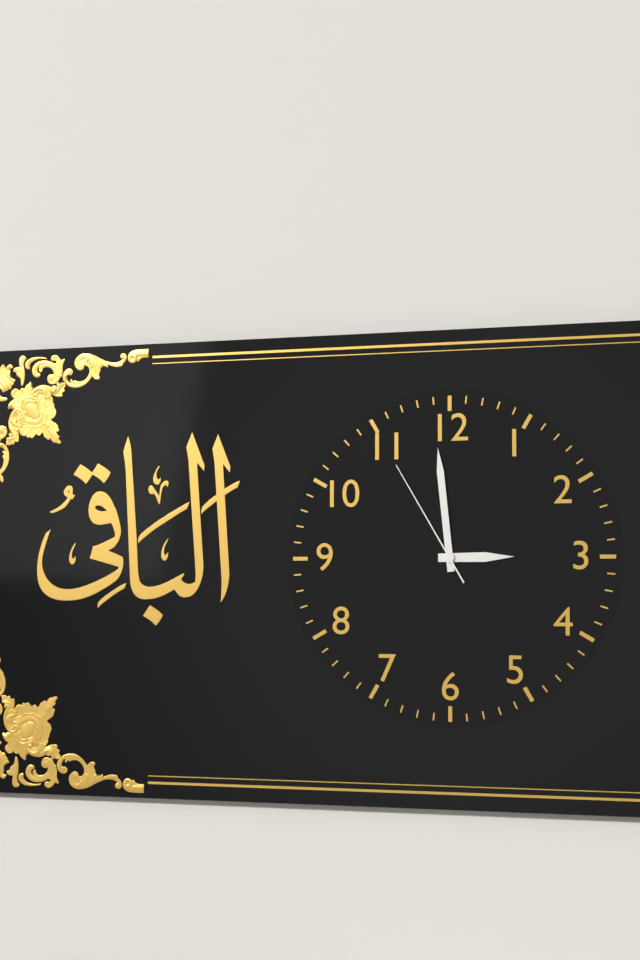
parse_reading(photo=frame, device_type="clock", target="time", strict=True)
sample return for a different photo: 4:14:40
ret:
2:59:55
